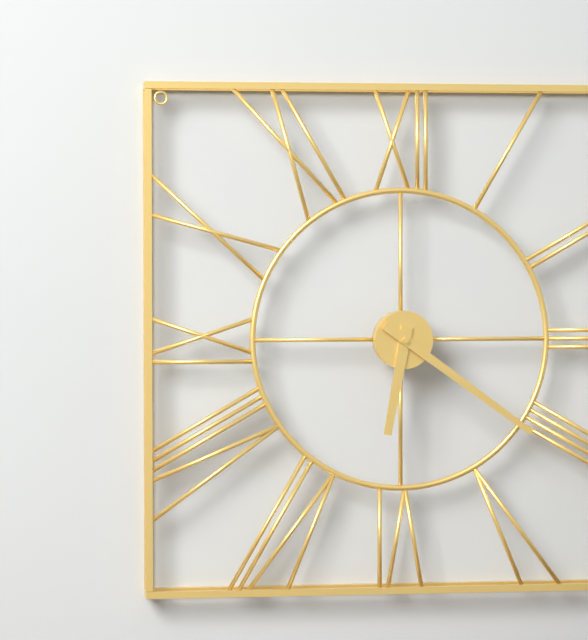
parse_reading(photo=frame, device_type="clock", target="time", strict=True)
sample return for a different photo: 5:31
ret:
6:21
